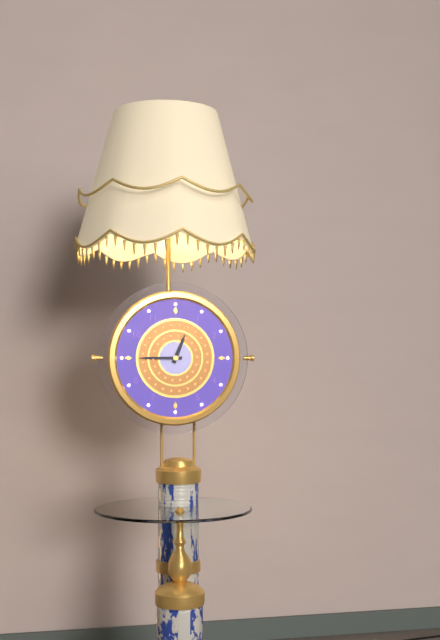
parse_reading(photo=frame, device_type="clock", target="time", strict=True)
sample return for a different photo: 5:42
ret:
12:45
